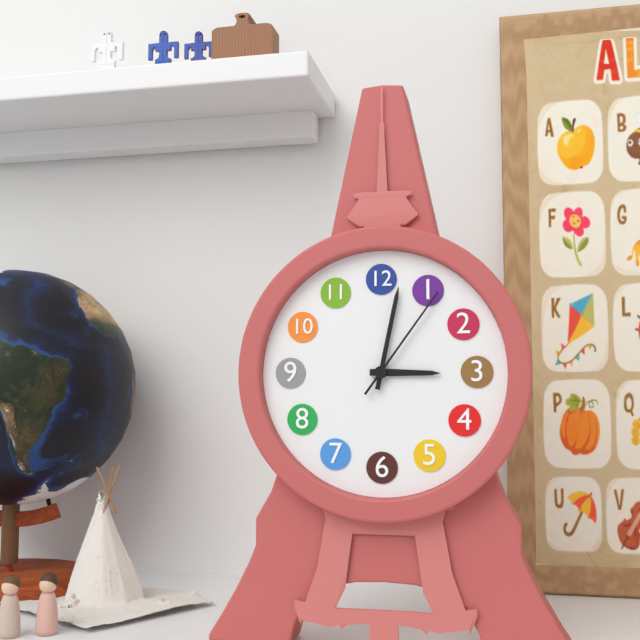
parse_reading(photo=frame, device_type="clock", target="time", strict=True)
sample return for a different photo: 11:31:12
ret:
3:02:06
